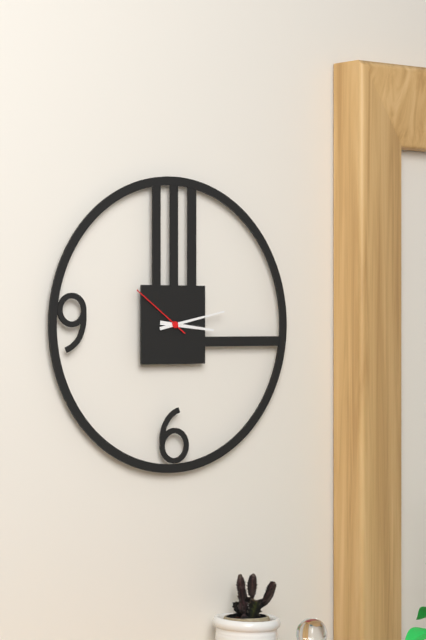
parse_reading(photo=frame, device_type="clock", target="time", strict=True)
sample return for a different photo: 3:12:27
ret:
3:13:51
